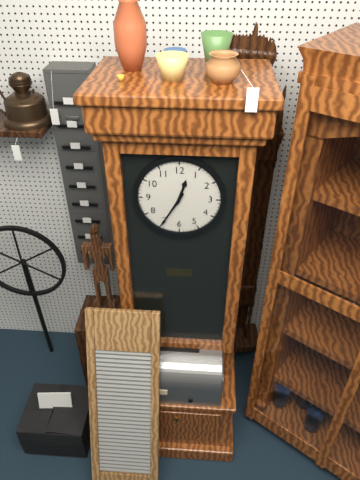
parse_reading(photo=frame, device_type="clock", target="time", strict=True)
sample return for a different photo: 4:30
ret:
12:35
